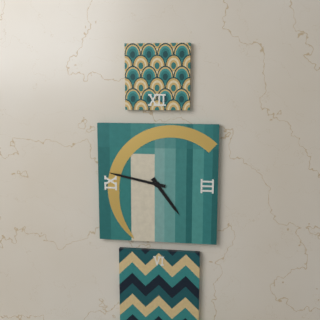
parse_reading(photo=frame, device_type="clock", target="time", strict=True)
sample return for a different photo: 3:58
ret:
4:47
